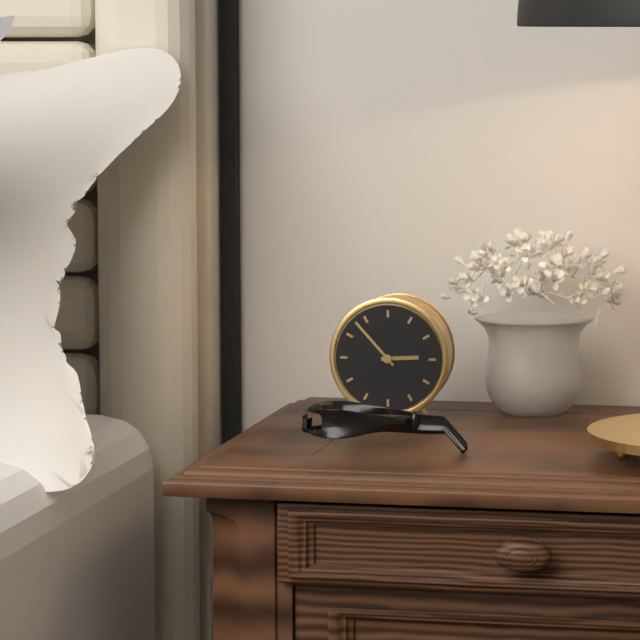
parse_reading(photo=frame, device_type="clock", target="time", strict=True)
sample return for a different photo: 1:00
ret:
2:53
